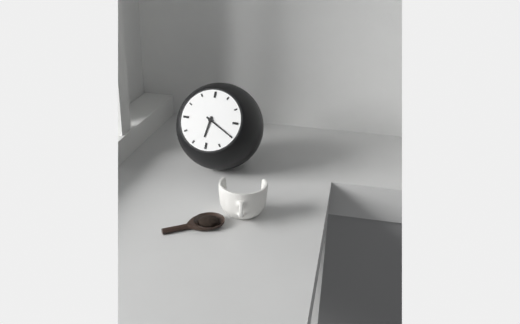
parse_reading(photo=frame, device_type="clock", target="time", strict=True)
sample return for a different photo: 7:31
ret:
6:20
